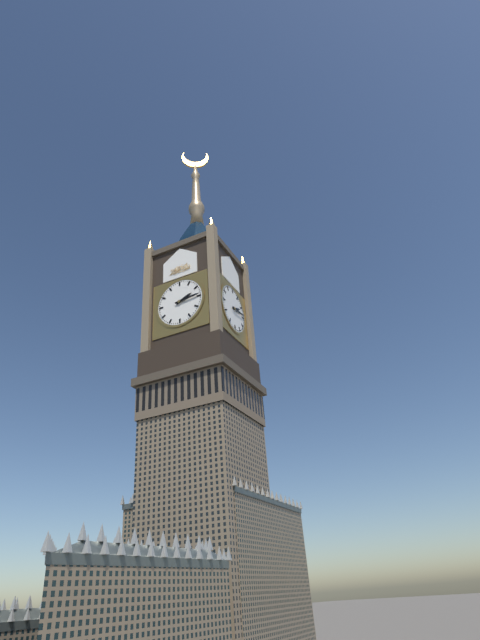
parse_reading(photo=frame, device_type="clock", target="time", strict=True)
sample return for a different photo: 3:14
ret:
2:14
